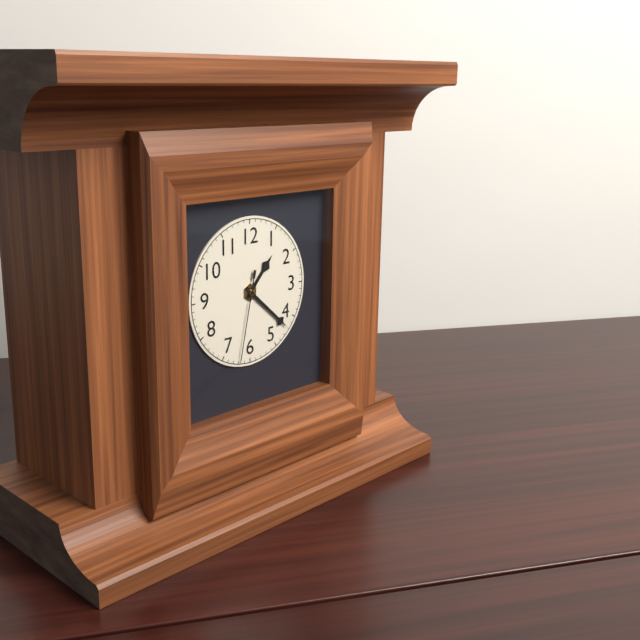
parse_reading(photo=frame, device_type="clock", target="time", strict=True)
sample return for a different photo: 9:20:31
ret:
1:22:32
